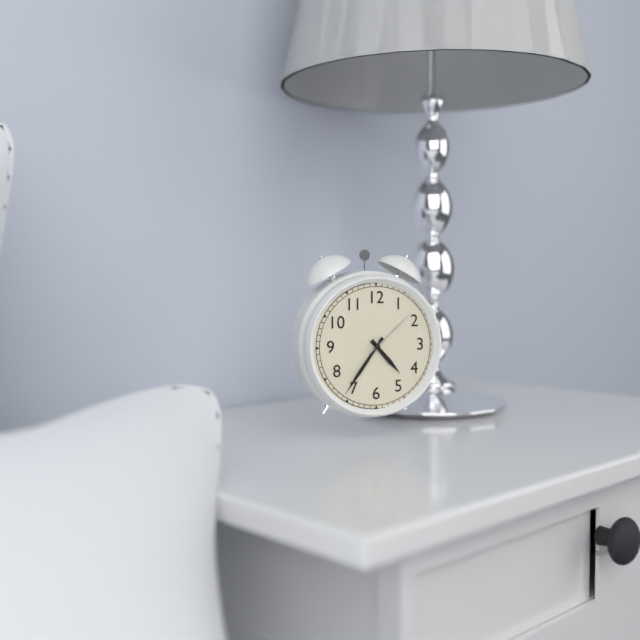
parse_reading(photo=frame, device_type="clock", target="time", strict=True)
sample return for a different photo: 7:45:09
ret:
4:36:08
